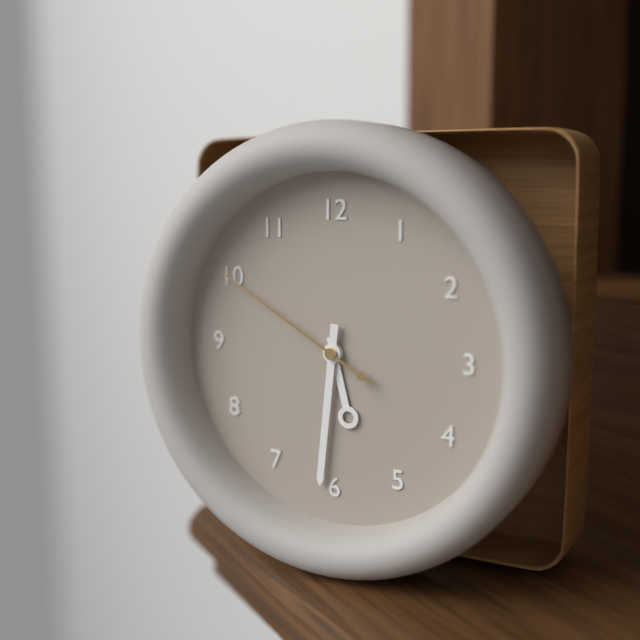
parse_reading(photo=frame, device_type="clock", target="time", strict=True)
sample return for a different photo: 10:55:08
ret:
5:31:50
